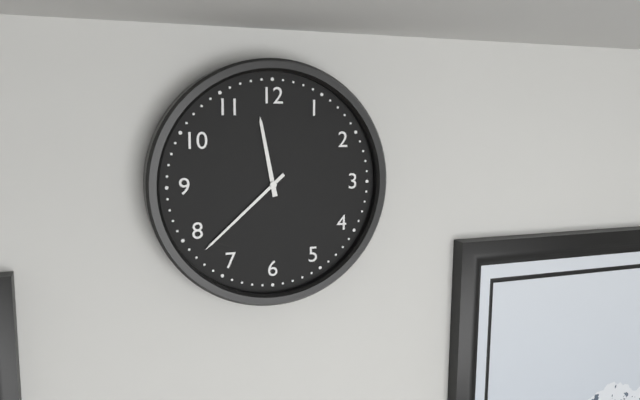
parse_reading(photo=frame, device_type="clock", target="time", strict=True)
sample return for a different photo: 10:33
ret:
11:38
